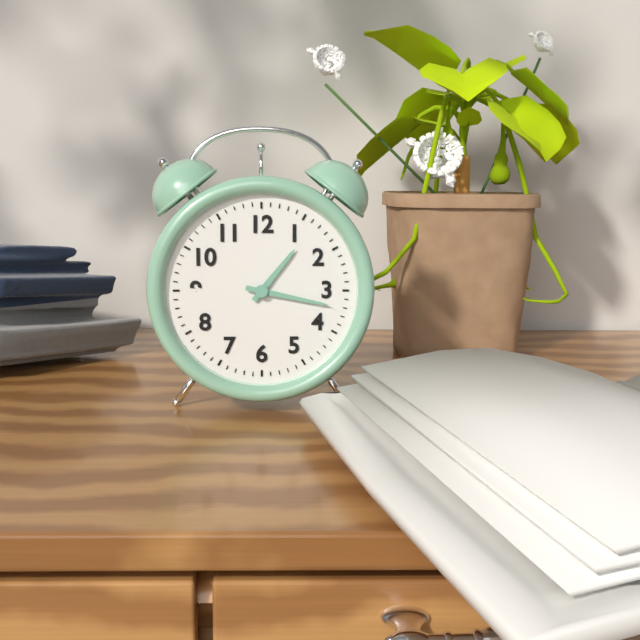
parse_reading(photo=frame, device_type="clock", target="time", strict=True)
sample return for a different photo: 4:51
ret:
1:17
